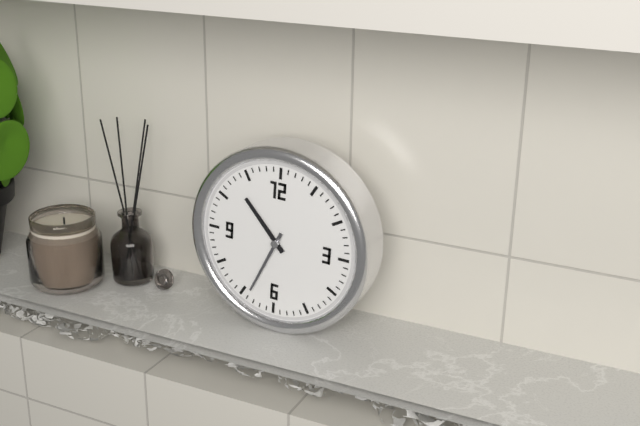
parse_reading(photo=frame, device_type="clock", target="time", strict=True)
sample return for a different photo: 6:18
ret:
10:34
